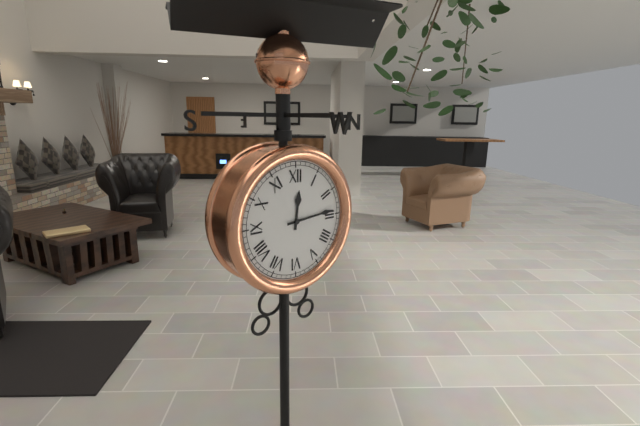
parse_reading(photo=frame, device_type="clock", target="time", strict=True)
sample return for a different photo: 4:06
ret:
12:14
